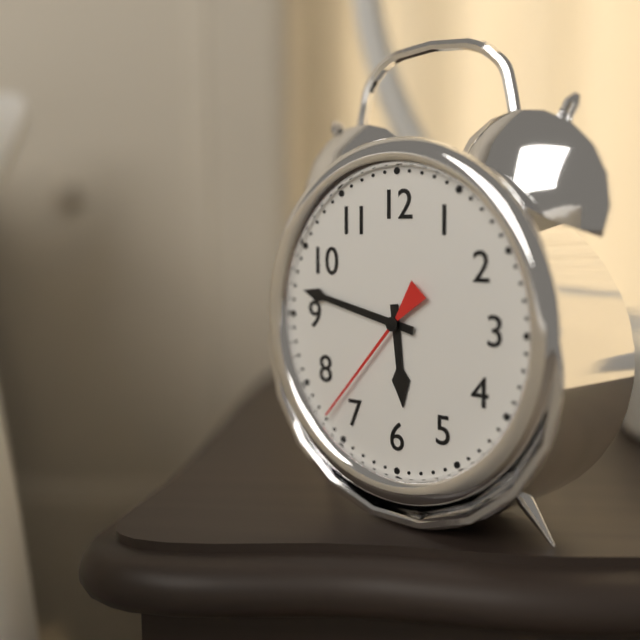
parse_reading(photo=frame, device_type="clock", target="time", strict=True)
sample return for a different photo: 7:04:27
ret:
5:47:37
